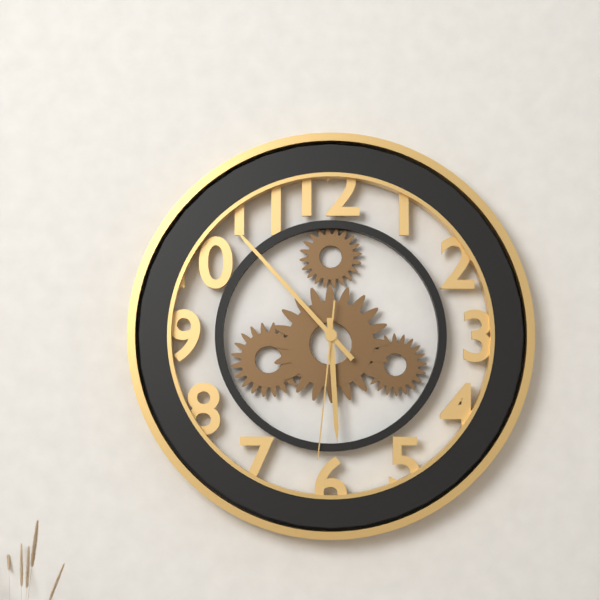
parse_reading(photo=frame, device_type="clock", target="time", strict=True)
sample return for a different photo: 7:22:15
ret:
5:53:31
